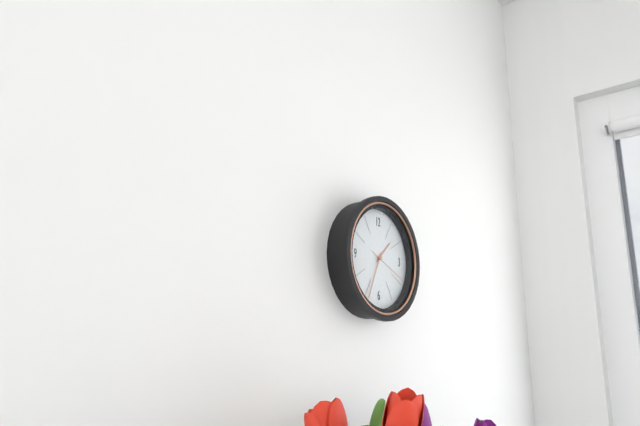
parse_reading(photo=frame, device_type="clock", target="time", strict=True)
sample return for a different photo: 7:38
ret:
1:34
